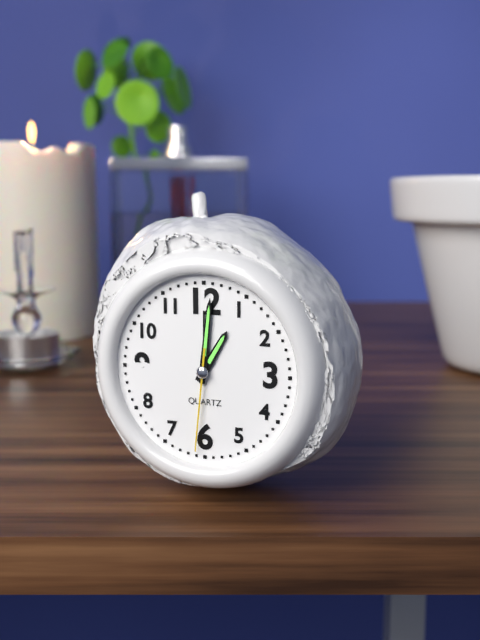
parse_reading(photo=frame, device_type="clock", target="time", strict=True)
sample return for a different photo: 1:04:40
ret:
1:01:31
